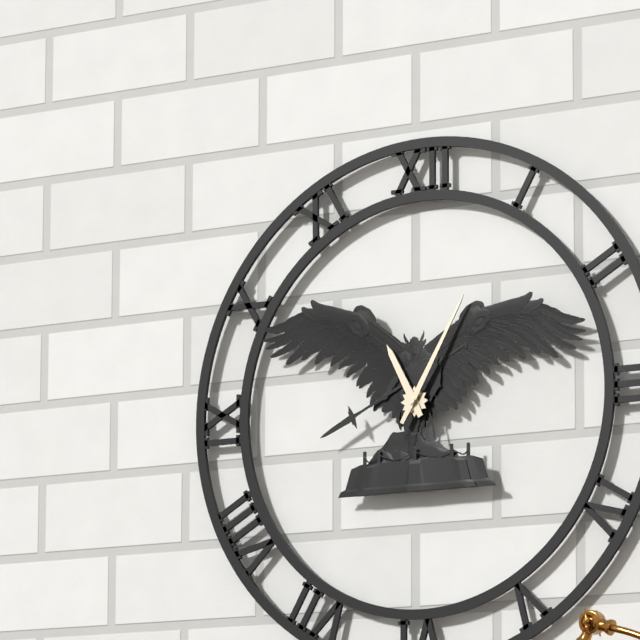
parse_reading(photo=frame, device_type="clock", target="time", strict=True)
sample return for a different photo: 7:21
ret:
11:05
